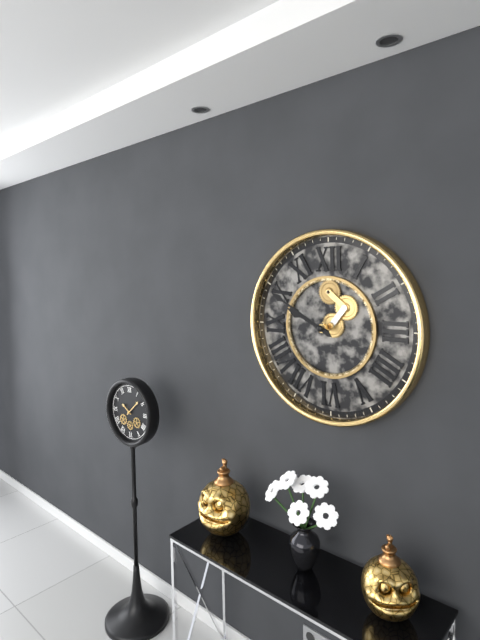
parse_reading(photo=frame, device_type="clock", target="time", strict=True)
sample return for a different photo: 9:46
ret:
9:50
